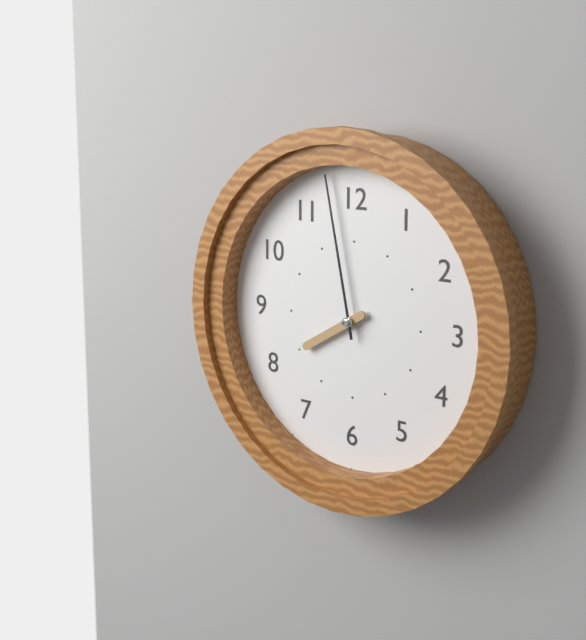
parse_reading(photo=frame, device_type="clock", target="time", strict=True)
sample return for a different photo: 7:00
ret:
7:58
